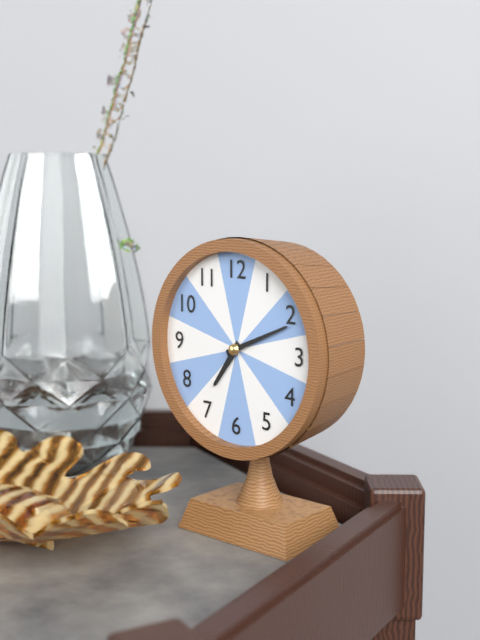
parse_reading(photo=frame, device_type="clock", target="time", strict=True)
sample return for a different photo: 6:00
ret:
7:11
